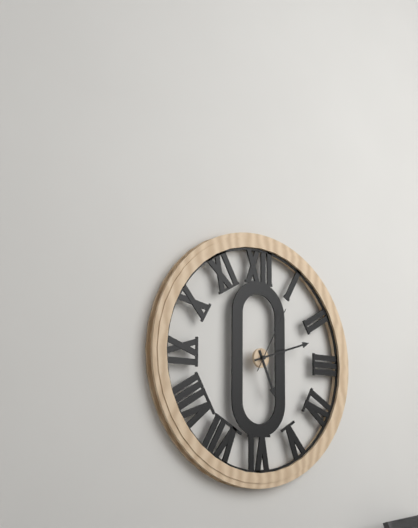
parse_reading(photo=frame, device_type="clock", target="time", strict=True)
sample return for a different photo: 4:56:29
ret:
5:12:05
